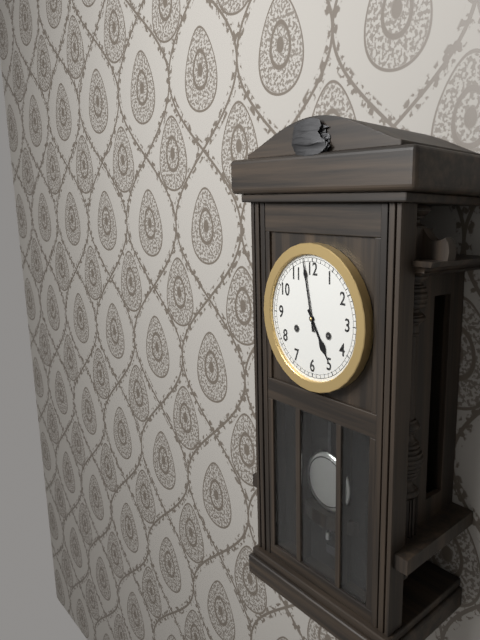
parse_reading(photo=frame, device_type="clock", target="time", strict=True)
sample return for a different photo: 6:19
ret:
4:58
